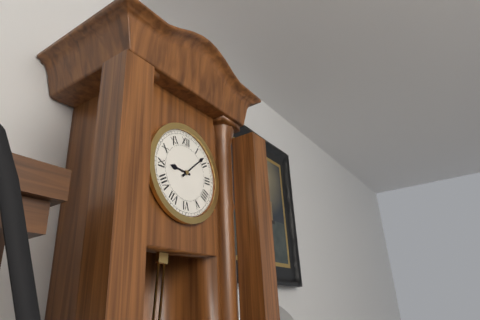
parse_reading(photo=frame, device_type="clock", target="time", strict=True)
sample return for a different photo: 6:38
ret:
9:08
